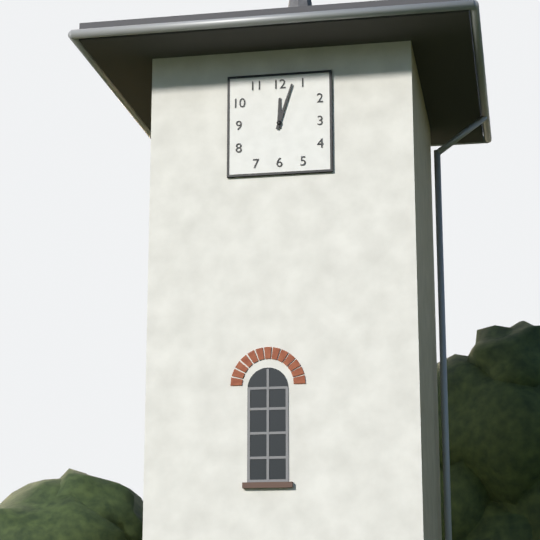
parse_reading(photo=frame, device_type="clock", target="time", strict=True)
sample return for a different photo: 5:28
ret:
12:03
